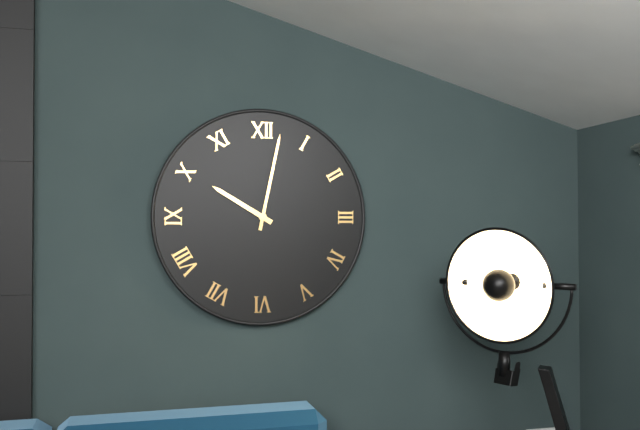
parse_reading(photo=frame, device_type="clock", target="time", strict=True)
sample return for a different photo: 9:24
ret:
10:02
